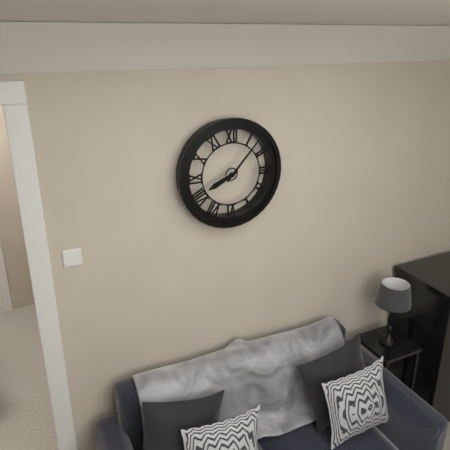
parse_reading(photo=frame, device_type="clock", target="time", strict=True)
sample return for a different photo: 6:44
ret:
8:07
